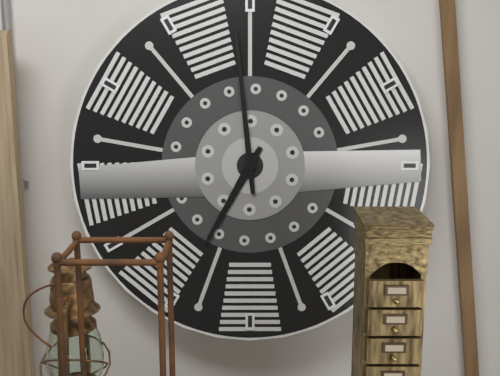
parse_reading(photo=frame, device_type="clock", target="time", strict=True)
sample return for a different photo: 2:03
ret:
6:59
